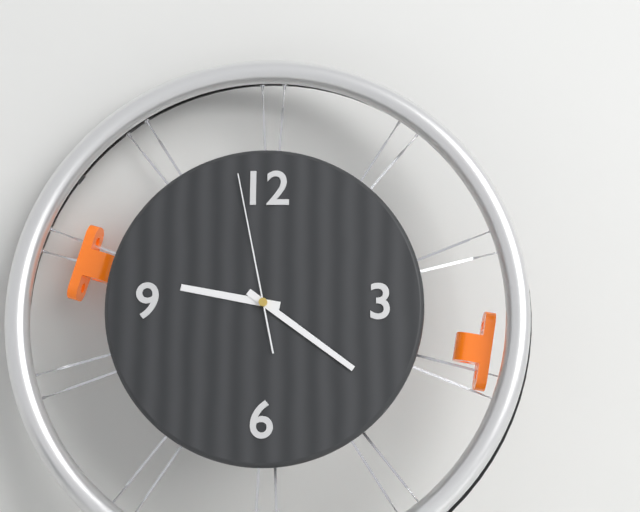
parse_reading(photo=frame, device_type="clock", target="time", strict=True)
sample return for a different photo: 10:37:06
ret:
9:21:58
